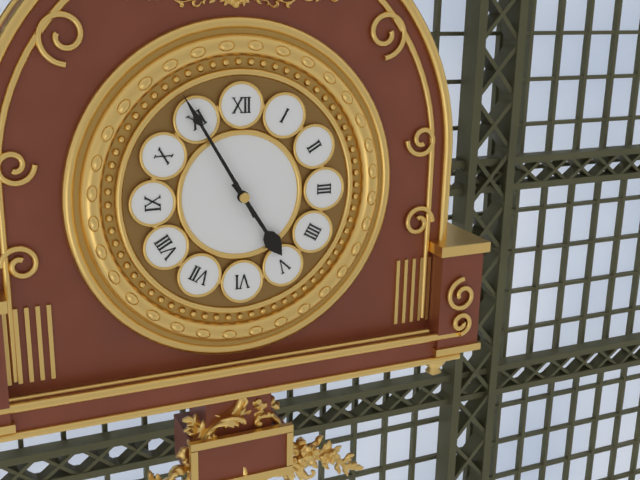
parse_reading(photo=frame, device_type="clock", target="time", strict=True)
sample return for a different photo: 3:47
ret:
4:55
